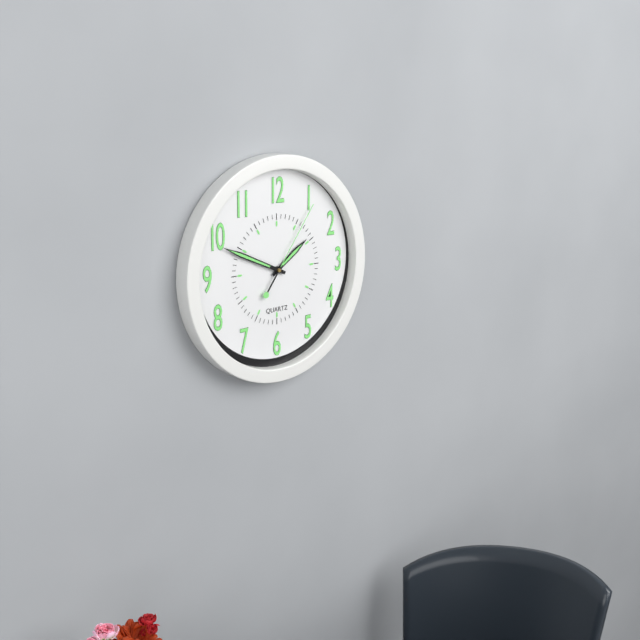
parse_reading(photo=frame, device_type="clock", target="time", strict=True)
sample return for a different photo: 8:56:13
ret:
1:49:06
